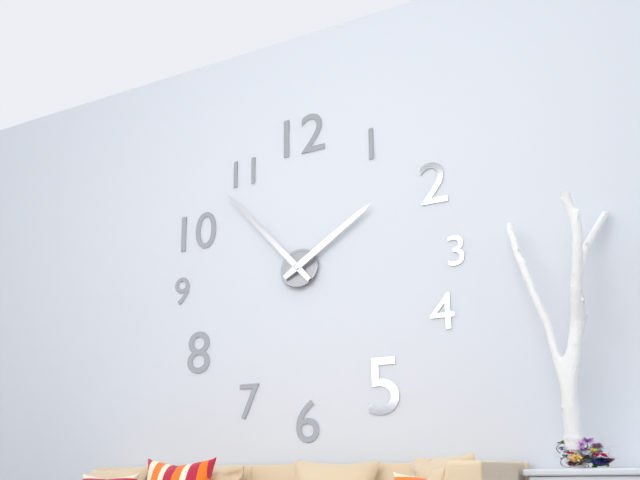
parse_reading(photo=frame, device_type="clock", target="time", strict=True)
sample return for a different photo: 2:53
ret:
1:53
